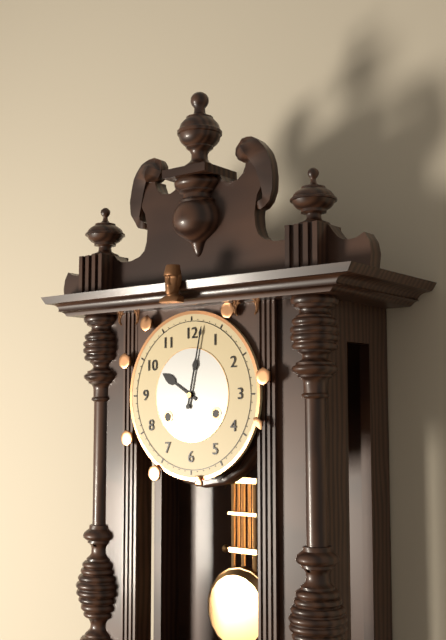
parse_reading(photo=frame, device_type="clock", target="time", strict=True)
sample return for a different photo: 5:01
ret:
10:02
